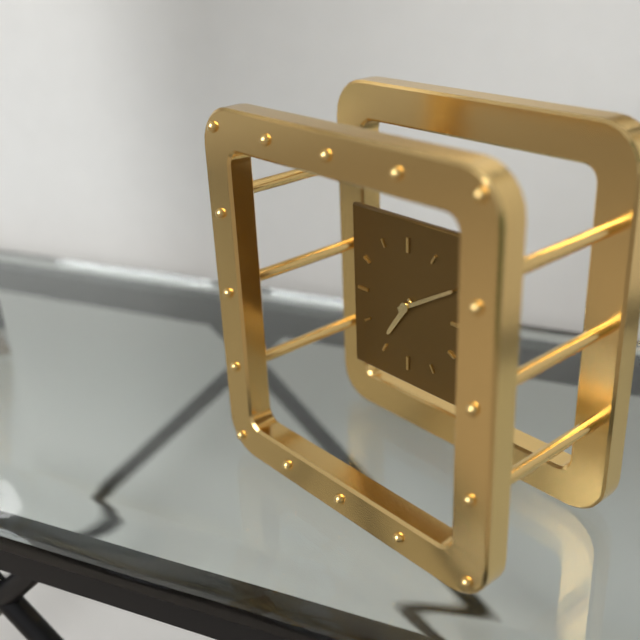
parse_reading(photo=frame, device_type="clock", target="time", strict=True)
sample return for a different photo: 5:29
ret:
7:10
